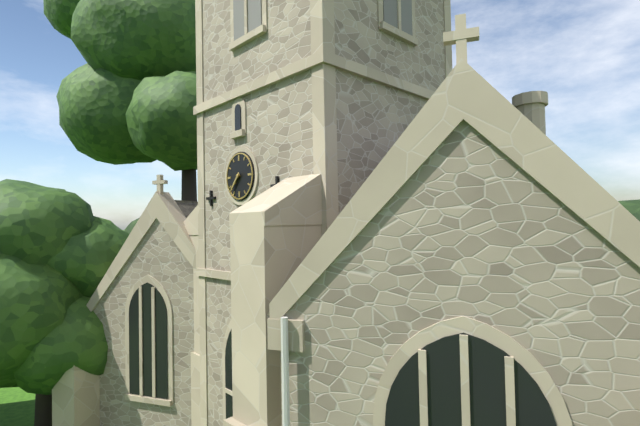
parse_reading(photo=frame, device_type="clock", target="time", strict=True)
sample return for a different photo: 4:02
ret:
7:37
